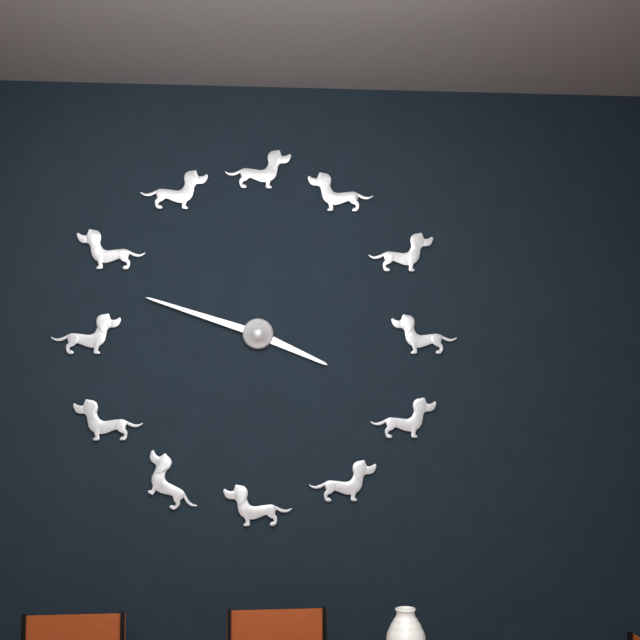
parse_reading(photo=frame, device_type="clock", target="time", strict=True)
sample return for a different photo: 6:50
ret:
3:48
